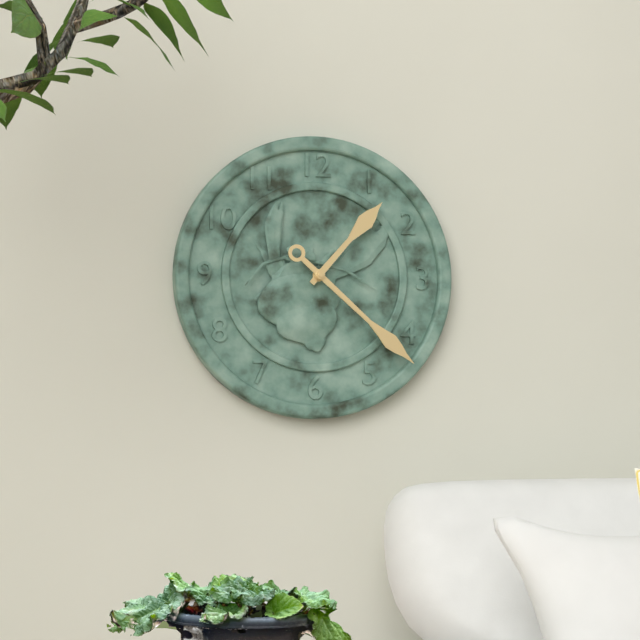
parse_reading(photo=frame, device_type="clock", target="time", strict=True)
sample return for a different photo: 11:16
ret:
1:22
